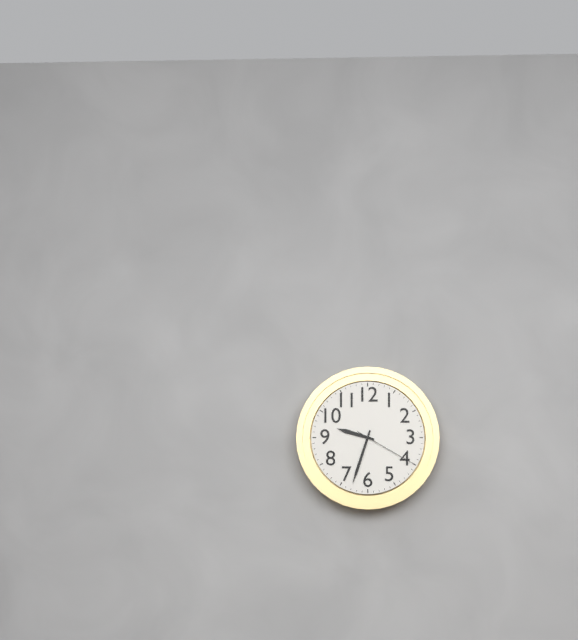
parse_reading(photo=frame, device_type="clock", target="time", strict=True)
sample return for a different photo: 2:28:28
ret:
9:33:20
